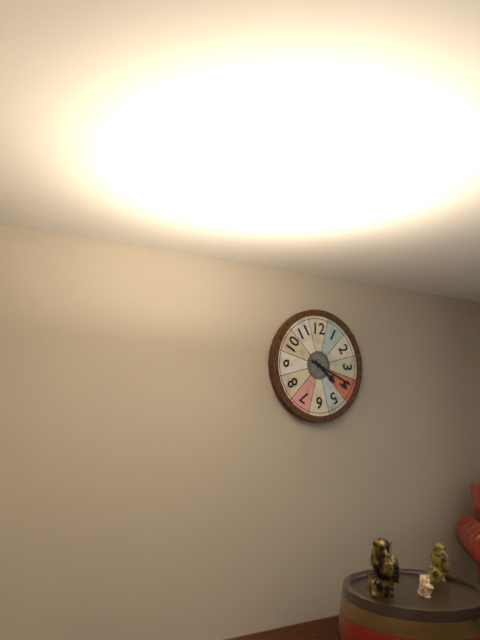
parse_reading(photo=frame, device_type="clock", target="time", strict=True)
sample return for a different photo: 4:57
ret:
4:19
